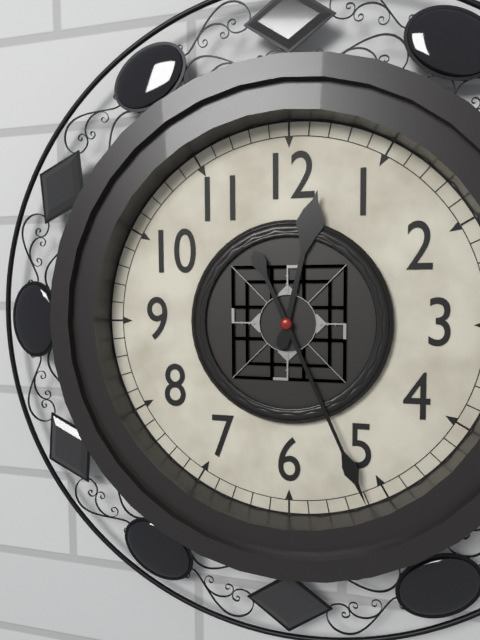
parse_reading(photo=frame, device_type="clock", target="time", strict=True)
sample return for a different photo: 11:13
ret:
12:26
